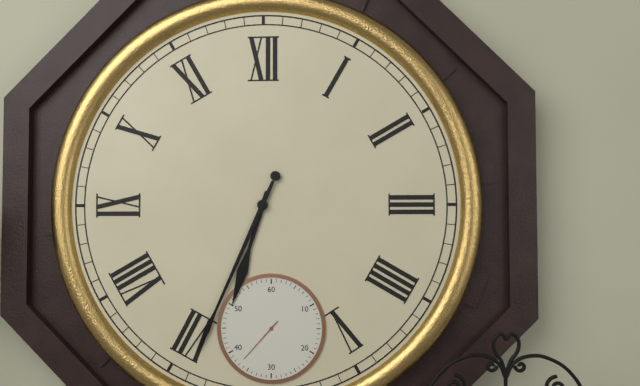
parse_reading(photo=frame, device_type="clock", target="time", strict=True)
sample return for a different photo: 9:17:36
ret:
6:34:37
